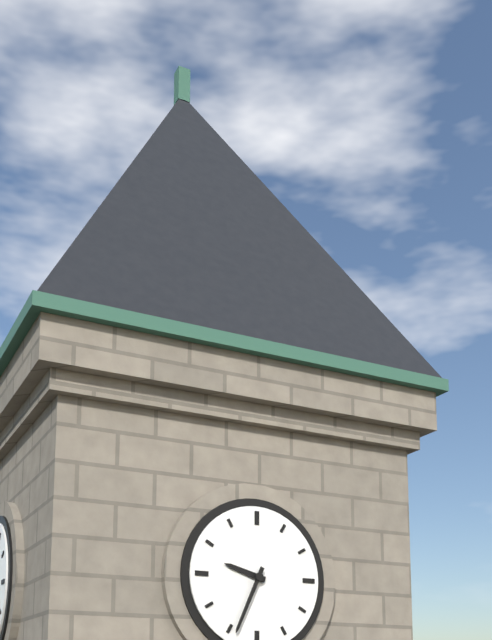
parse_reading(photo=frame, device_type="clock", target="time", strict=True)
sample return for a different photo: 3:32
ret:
9:34
